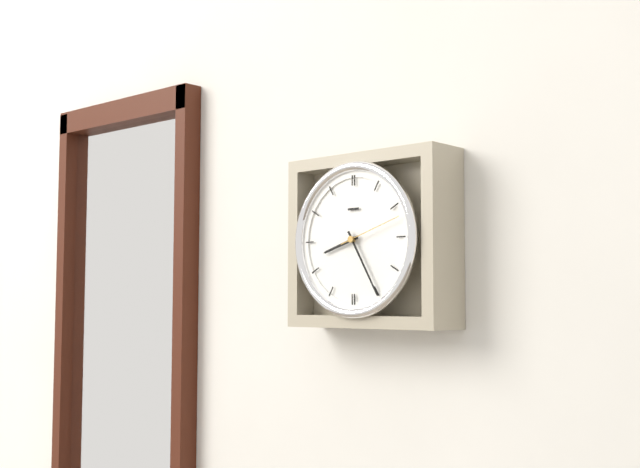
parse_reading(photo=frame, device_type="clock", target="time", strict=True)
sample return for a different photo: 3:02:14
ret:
8:25:12
